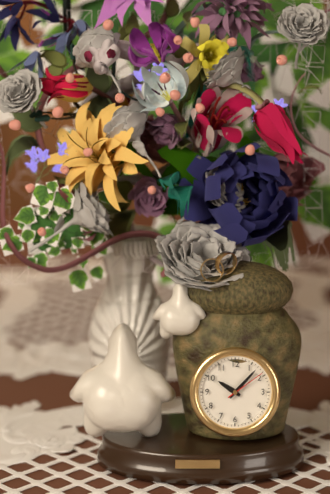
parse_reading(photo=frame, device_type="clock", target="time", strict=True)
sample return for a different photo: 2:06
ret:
10:07
